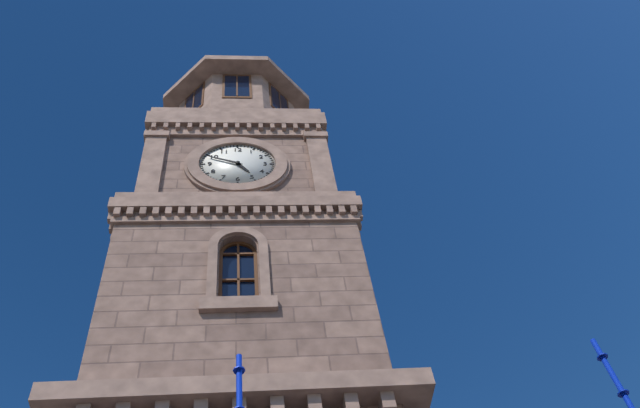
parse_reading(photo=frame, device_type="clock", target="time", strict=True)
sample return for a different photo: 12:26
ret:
4:49
